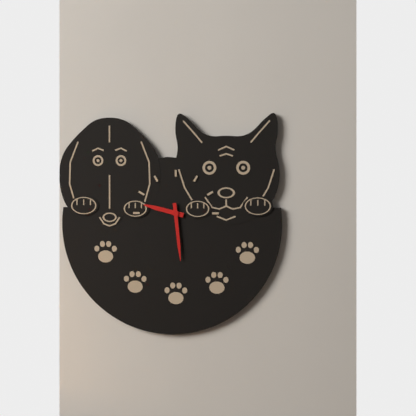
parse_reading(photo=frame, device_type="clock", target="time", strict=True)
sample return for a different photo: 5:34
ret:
9:29
